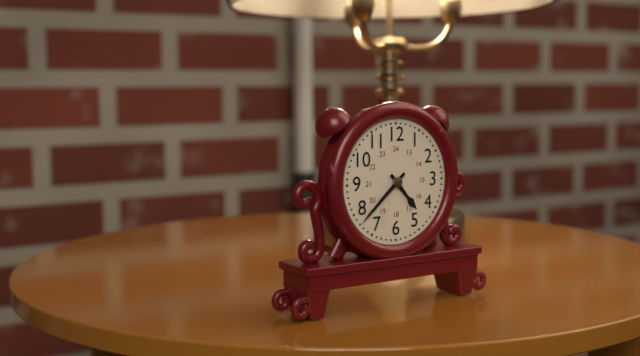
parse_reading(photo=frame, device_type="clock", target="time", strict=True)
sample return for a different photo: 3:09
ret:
4:38
